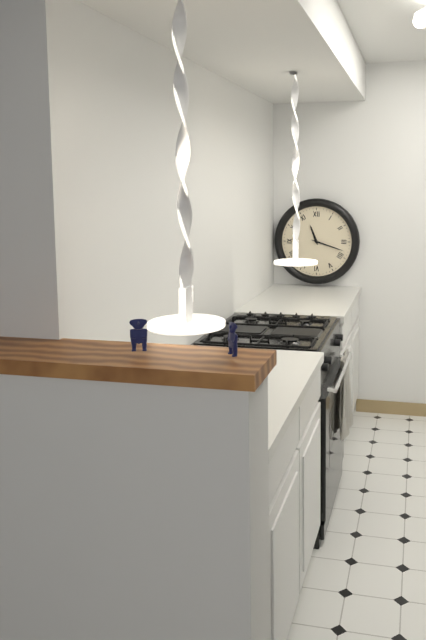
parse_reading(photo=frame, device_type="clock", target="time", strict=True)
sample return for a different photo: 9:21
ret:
11:18
